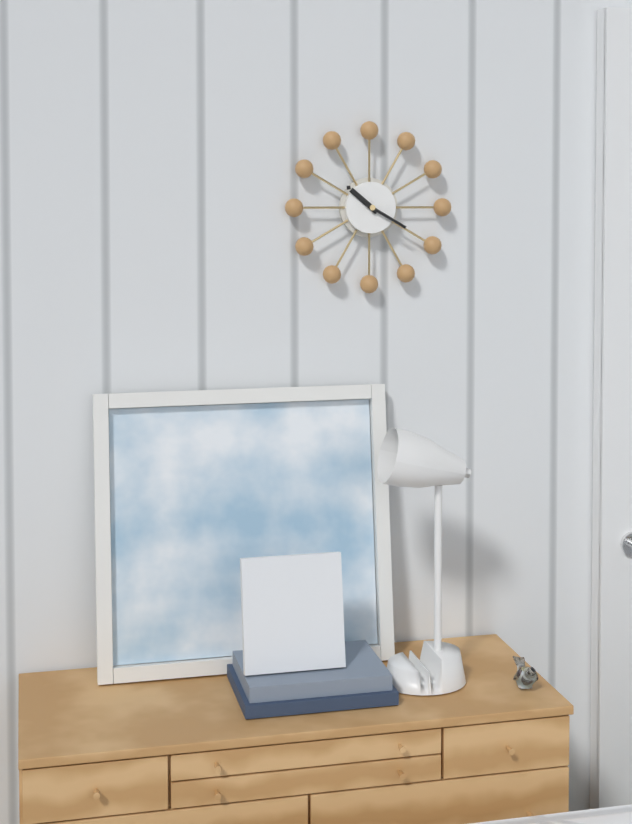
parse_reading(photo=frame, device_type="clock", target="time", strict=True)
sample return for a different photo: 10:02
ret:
10:20
